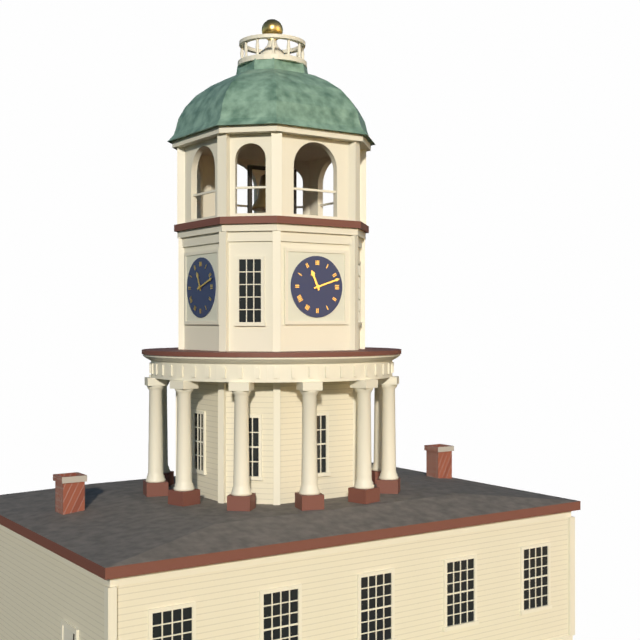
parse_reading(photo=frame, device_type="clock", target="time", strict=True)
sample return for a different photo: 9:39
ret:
11:12
